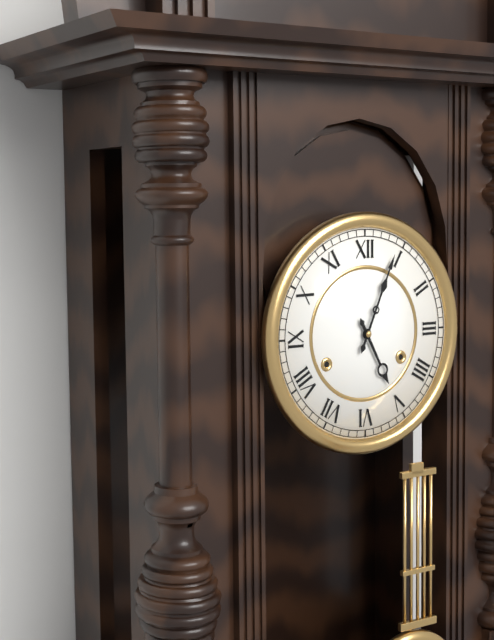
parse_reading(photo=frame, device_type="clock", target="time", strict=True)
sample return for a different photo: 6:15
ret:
5:04
